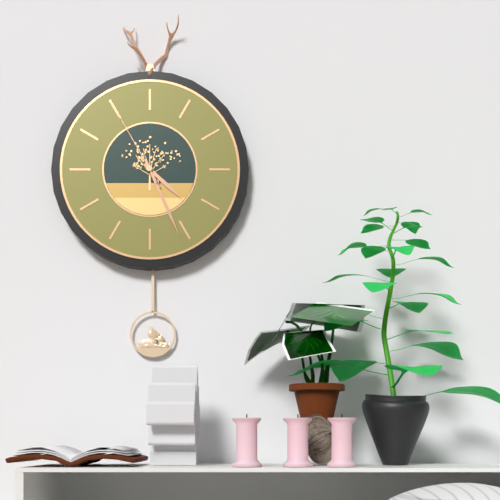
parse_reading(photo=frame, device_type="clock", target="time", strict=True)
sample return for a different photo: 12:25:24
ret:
4:26:55
